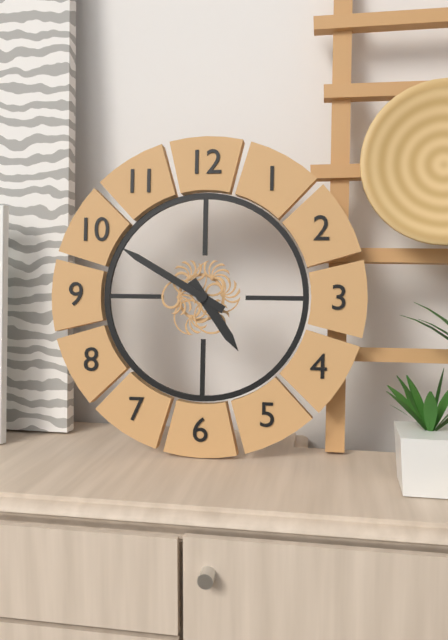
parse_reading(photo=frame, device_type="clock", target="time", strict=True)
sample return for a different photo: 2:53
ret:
4:50
